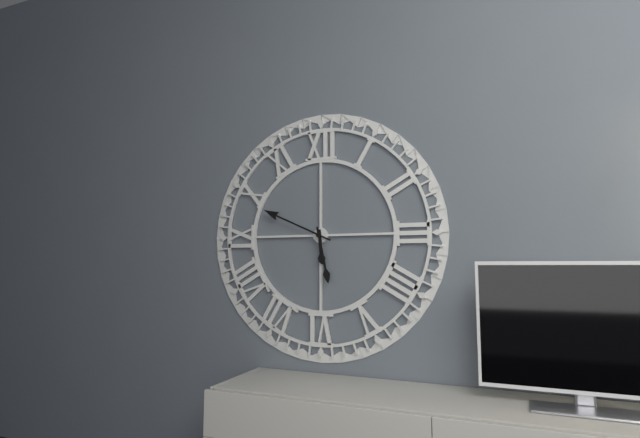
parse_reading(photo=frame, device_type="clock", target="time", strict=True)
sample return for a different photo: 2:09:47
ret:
5:49:28
